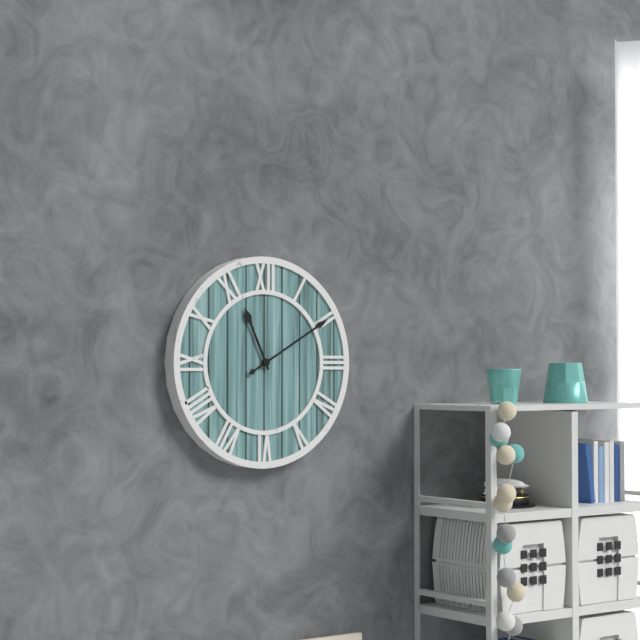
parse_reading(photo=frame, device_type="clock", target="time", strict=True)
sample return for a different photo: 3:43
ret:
11:10
